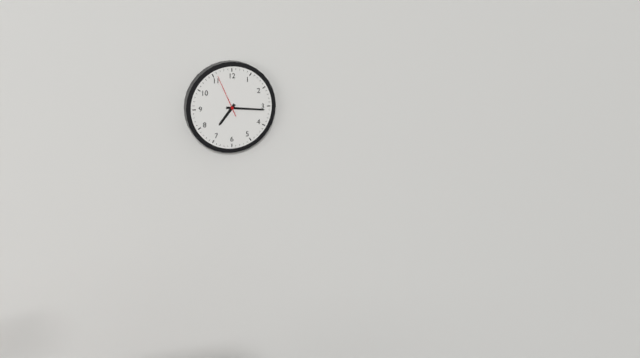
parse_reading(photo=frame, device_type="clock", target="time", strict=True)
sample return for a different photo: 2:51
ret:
7:16
